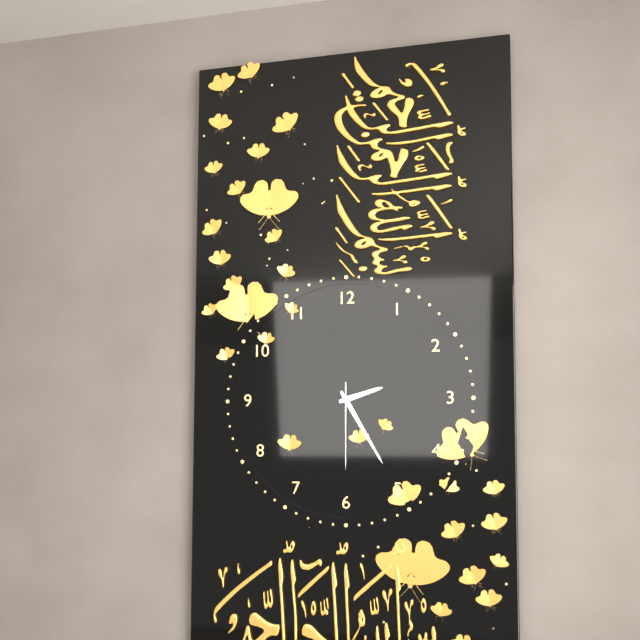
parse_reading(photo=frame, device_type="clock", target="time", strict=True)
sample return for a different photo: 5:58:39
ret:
2:25:30
